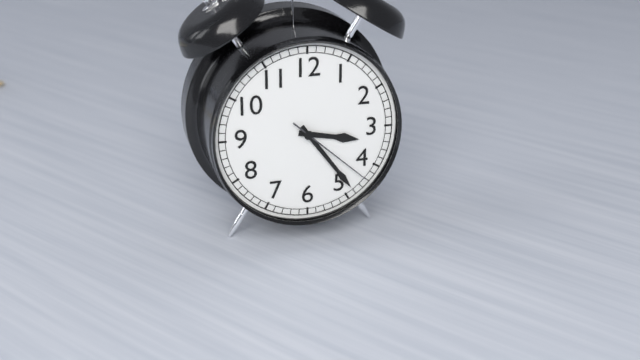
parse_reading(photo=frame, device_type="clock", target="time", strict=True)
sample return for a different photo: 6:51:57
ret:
3:24:22
